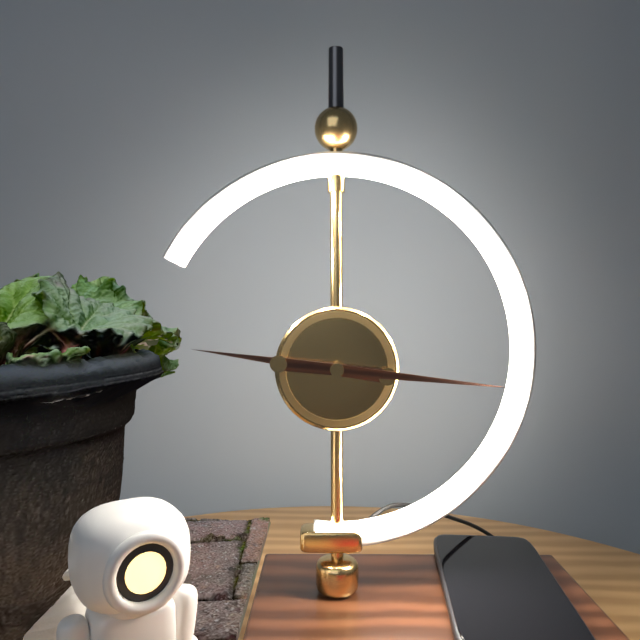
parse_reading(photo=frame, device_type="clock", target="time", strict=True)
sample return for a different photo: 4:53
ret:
9:16
